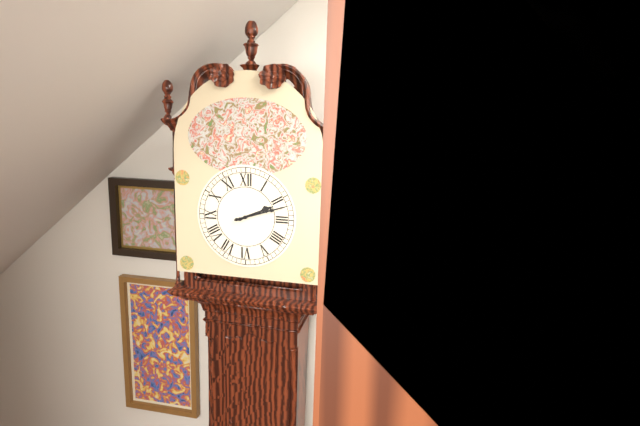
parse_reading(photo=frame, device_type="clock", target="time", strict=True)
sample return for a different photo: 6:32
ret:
2:12
